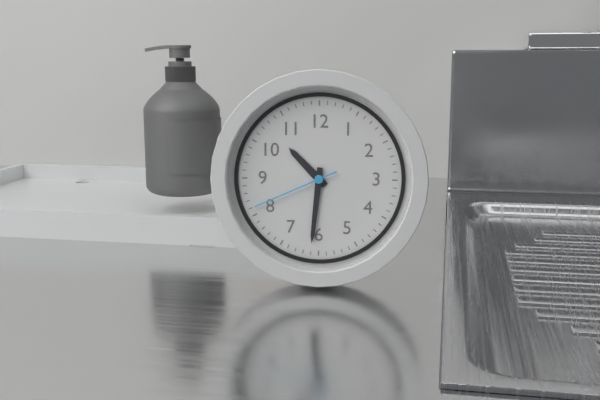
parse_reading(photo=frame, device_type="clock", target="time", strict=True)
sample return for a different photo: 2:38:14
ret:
10:31:41
